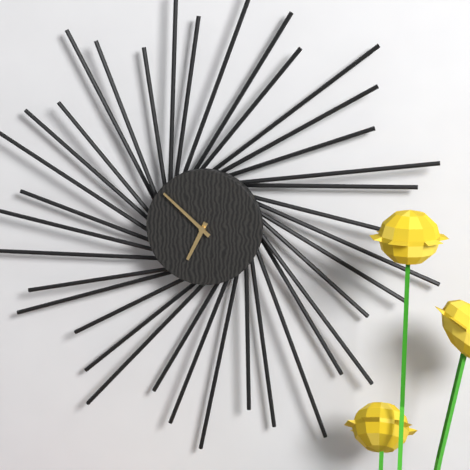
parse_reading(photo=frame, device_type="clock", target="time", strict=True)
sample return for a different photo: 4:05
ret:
6:52
